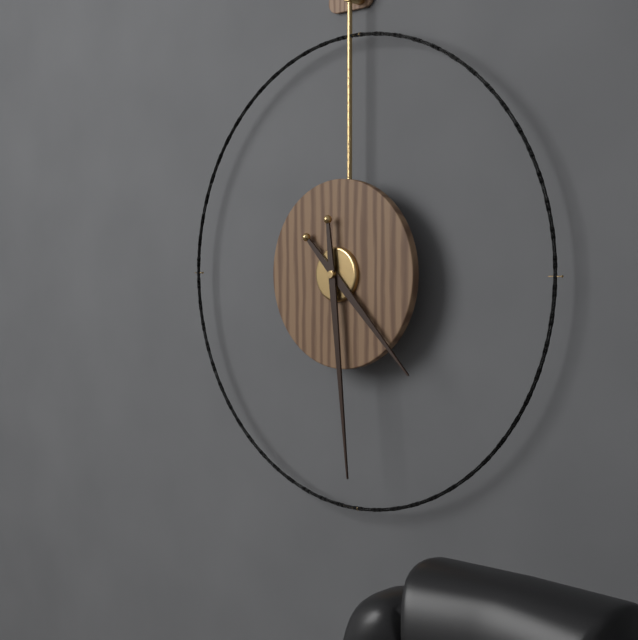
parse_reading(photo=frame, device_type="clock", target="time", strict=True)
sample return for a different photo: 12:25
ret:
4:29
